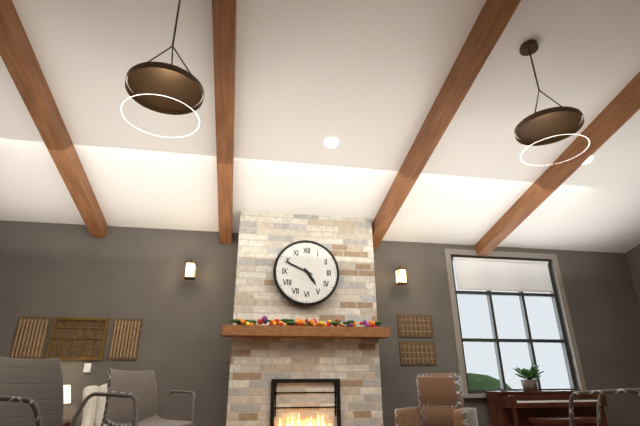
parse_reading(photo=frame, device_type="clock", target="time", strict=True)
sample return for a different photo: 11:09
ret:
4:49
